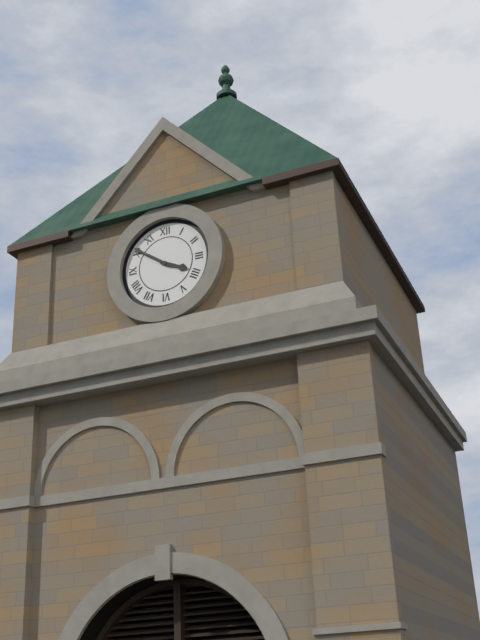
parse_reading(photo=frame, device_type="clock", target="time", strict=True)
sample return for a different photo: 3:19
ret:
3:51
